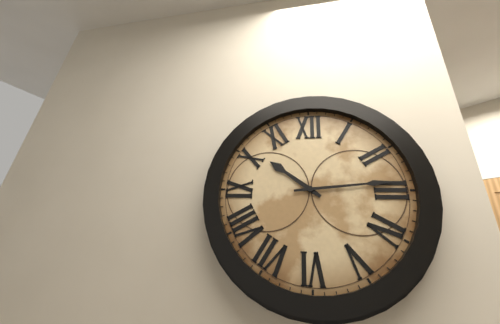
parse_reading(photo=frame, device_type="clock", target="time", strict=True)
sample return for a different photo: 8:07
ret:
10:14
